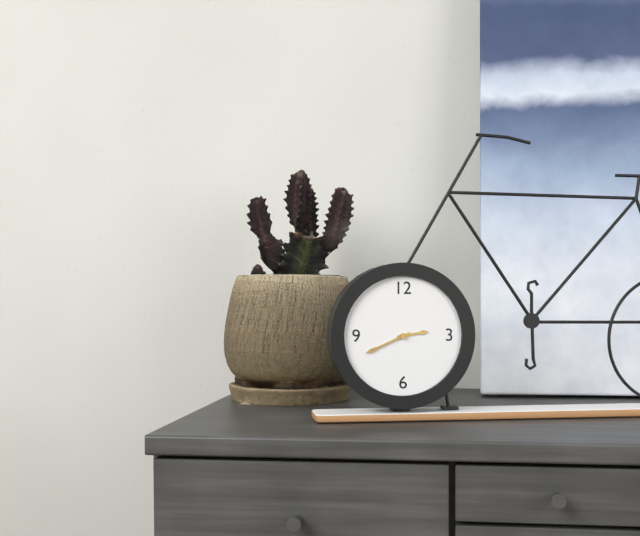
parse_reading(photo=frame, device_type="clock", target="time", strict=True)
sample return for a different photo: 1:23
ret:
2:41
